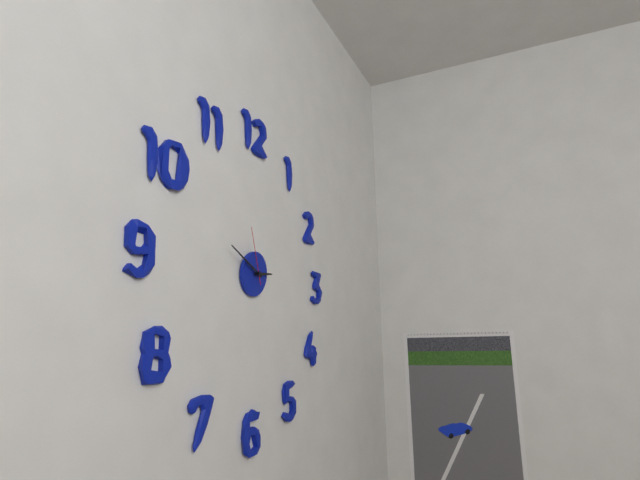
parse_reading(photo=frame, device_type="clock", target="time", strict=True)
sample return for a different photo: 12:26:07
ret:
2:49:57
